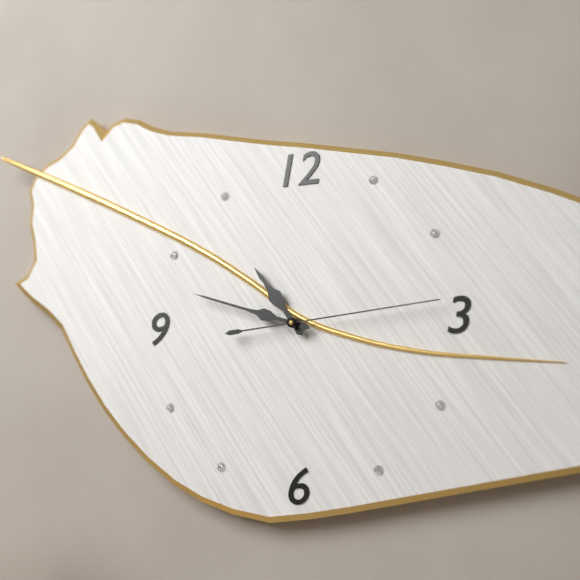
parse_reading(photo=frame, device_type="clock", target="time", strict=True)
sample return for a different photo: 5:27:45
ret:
10:48:14
